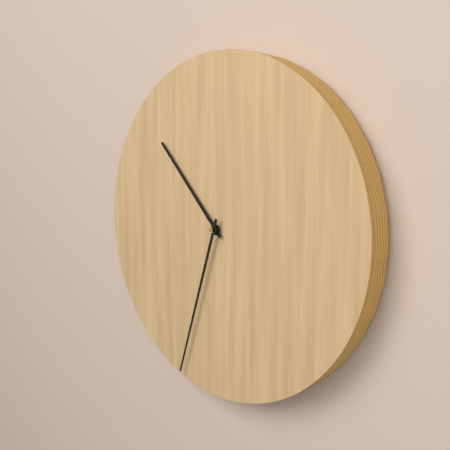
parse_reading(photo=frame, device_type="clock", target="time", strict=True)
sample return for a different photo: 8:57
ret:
10:33
